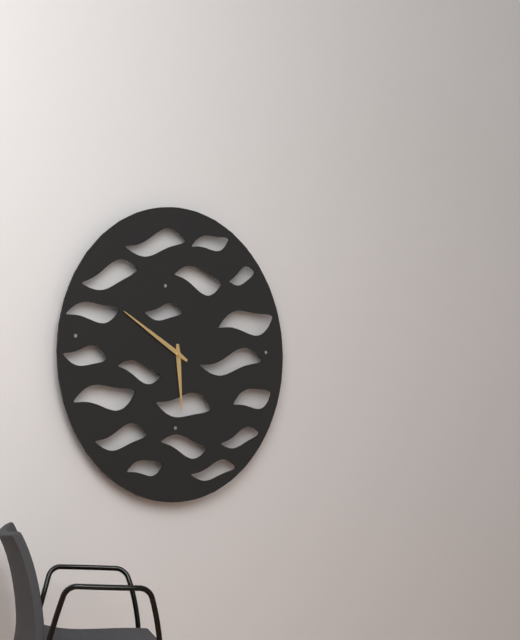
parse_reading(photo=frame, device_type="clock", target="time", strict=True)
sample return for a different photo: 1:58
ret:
5:50
